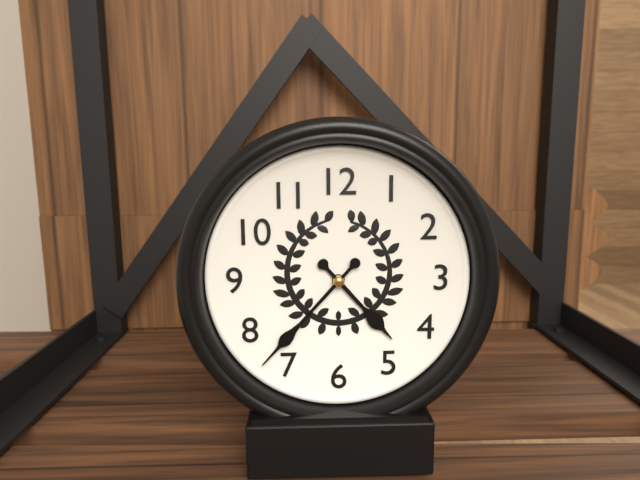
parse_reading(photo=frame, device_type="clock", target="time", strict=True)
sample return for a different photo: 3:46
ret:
4:37
